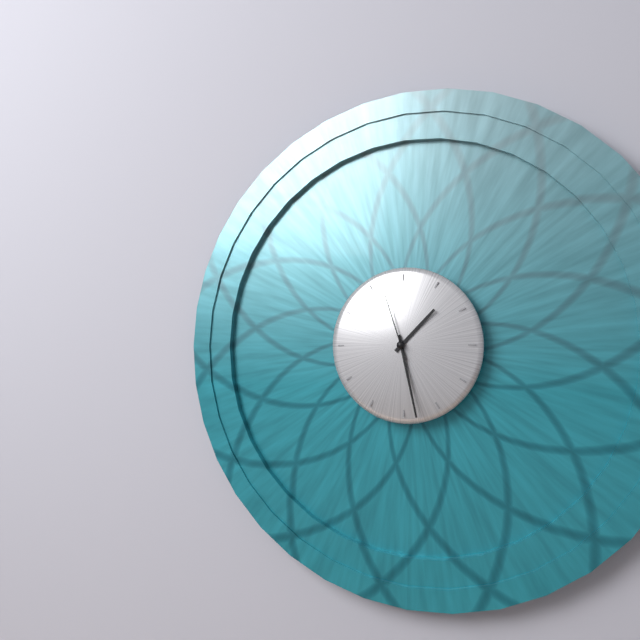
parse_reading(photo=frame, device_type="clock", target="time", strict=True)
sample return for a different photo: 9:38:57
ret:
1:28:57
